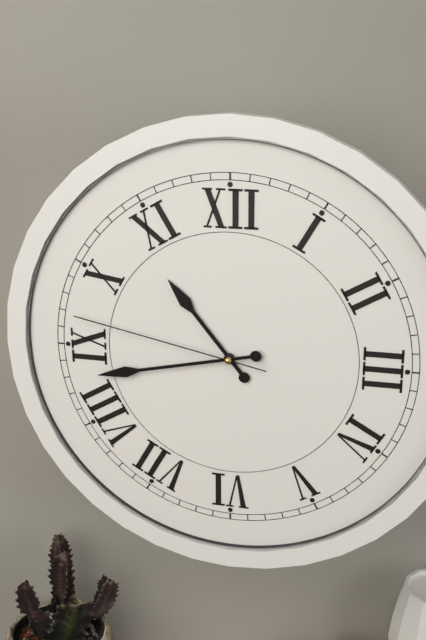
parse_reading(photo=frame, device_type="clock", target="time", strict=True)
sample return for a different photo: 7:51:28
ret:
10:43:47
